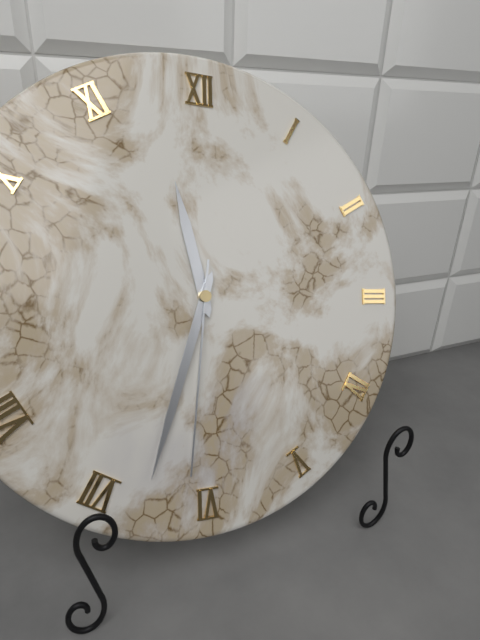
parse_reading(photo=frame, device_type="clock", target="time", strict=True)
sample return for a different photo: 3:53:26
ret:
11:33:31
